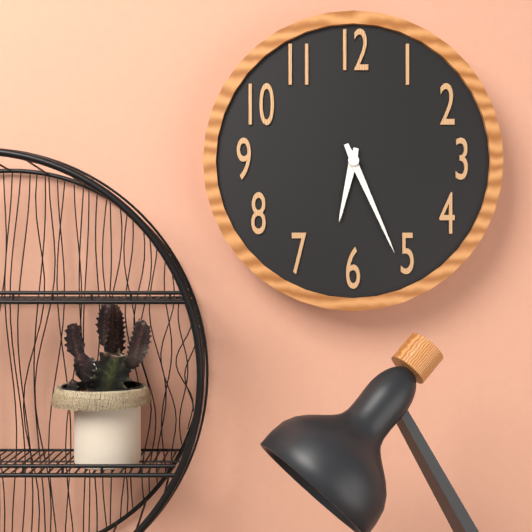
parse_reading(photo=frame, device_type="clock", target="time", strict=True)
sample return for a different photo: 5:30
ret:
6:26
